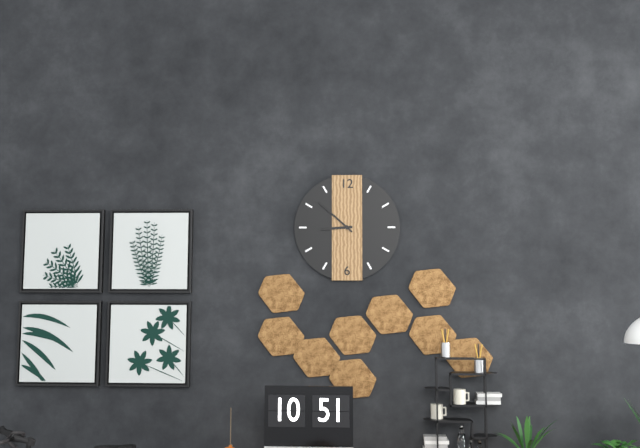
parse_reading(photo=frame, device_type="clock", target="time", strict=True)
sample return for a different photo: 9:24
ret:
8:52
